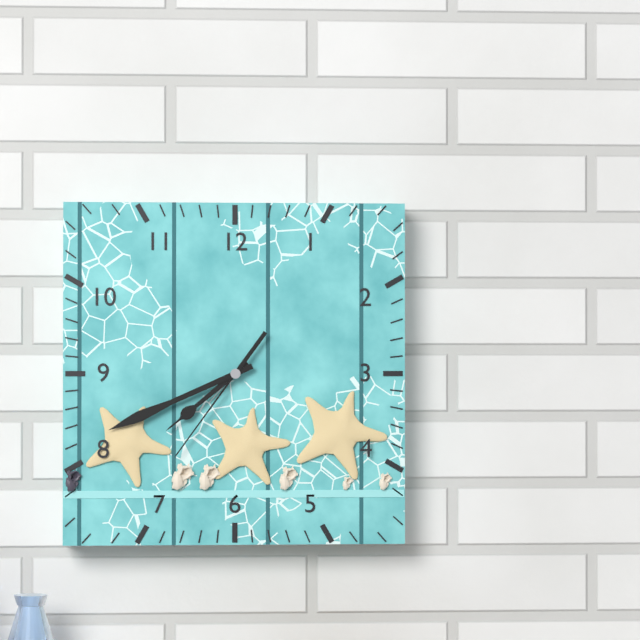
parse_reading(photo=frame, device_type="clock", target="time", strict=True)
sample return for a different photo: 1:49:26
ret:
7:41:36
